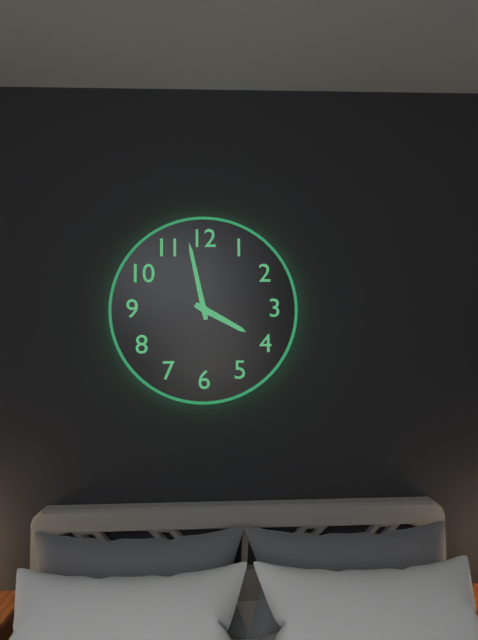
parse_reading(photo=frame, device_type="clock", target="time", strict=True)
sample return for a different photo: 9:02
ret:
3:58
